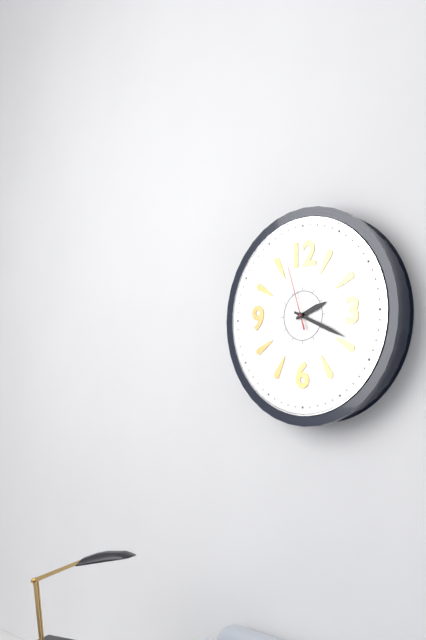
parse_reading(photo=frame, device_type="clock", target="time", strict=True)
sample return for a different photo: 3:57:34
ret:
2:19:57
